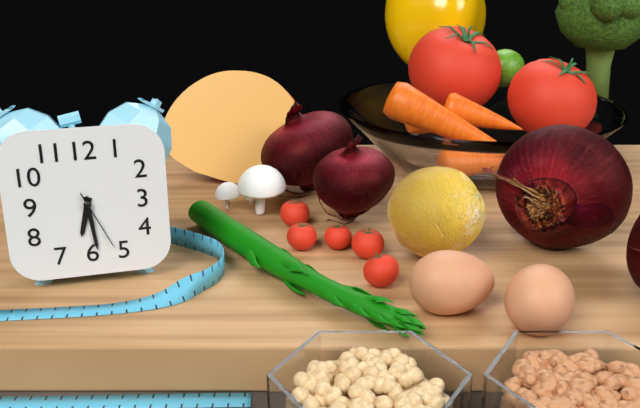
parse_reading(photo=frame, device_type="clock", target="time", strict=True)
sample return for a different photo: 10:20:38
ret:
6:29:26
